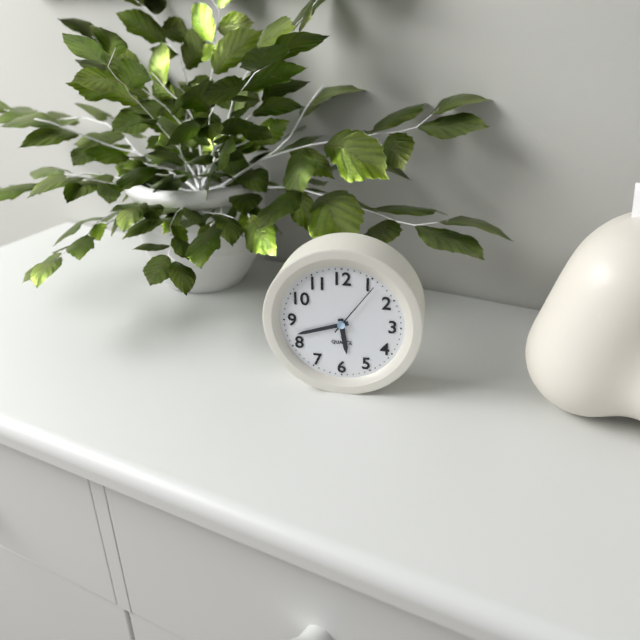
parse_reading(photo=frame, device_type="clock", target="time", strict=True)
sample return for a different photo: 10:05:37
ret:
5:42:06
